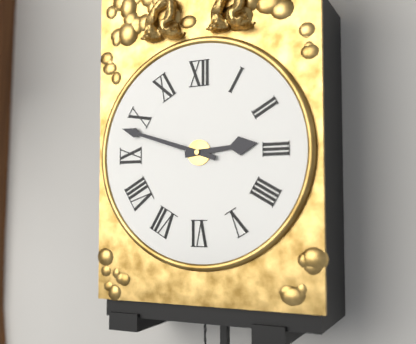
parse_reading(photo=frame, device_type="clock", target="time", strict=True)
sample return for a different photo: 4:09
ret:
2:48
